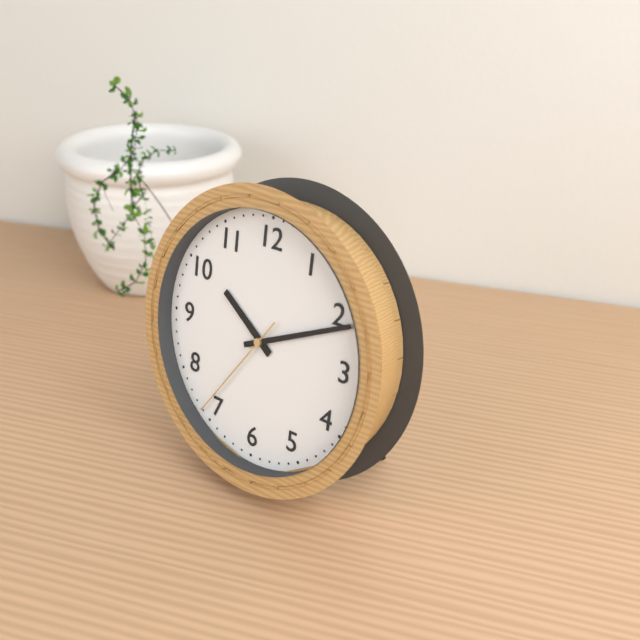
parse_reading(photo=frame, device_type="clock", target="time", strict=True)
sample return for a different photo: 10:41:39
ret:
10:11:36
